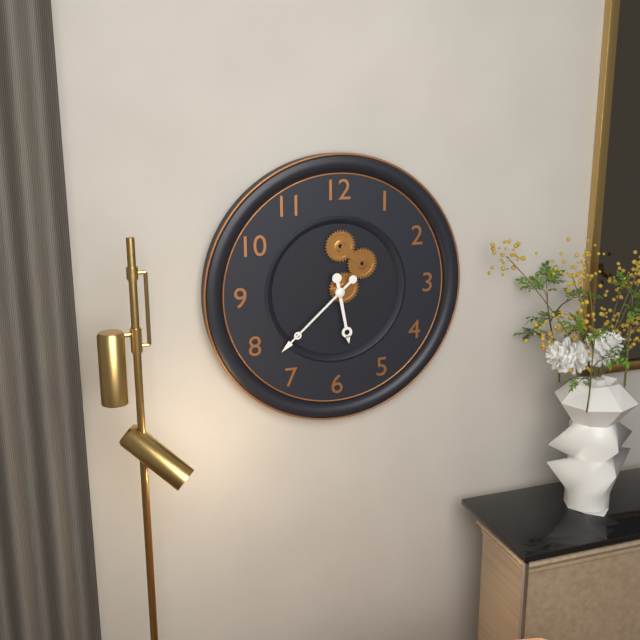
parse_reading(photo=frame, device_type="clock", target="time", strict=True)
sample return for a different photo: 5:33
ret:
5:38
